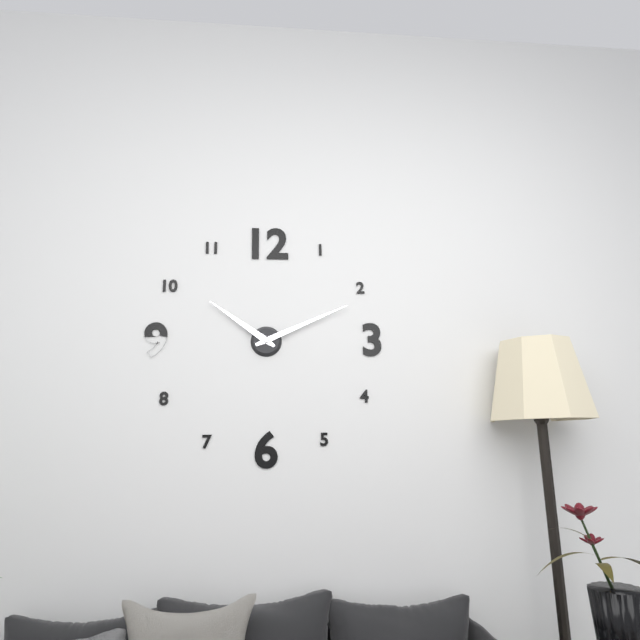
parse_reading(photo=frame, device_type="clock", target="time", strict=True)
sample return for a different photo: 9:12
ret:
10:11
